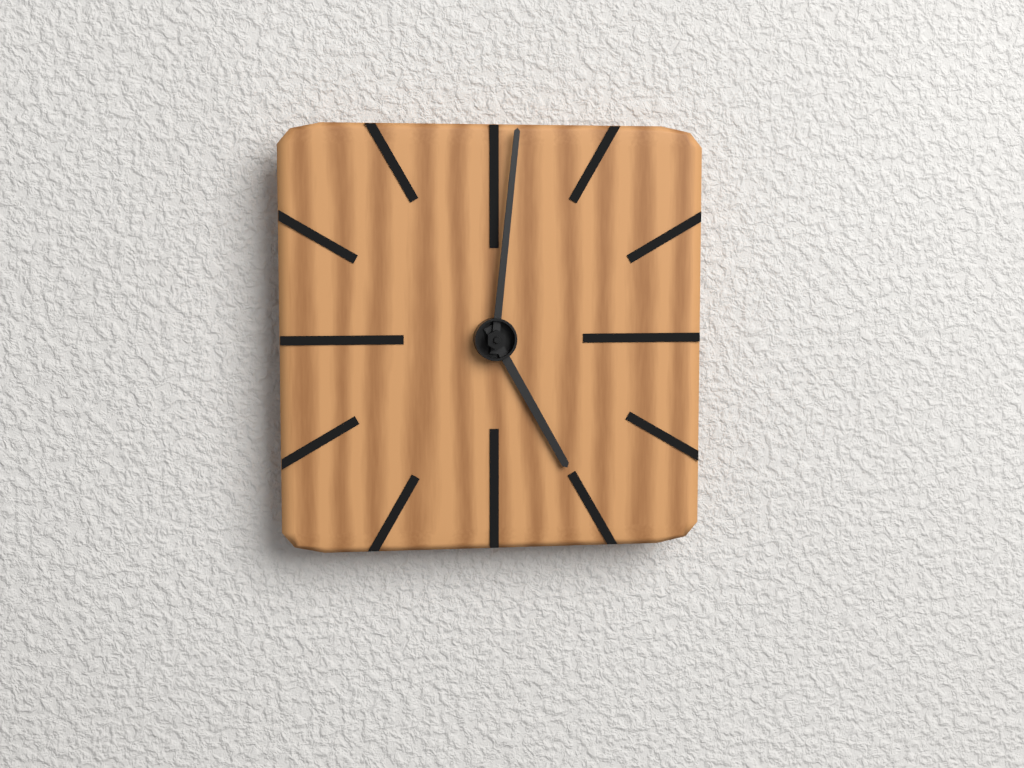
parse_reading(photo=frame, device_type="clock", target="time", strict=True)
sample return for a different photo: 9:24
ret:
5:01
